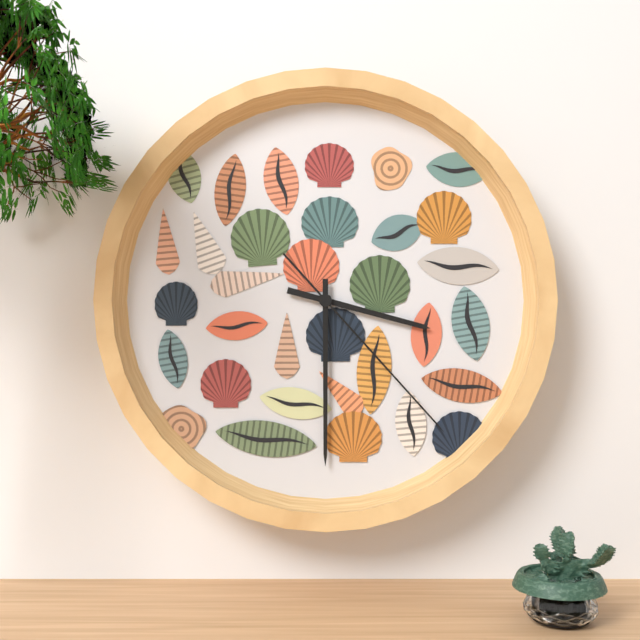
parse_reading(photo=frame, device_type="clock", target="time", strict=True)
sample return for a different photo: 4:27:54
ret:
3:30:23
